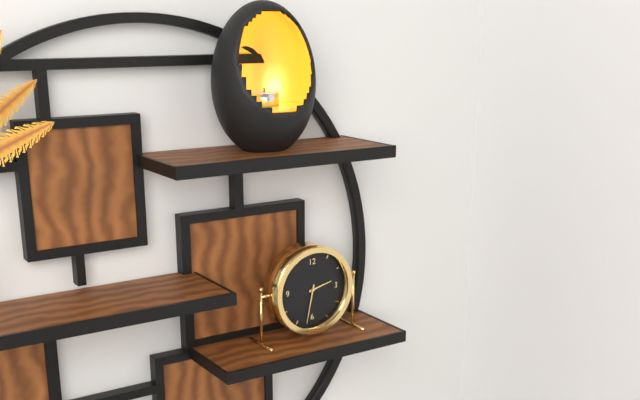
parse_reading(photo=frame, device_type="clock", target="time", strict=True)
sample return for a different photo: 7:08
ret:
2:32
